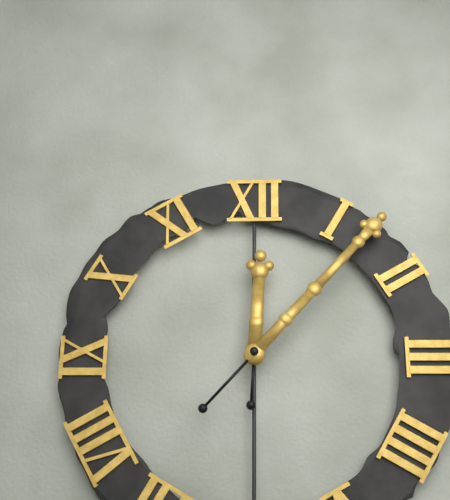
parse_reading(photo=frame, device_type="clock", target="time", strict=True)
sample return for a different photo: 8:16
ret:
12:07
